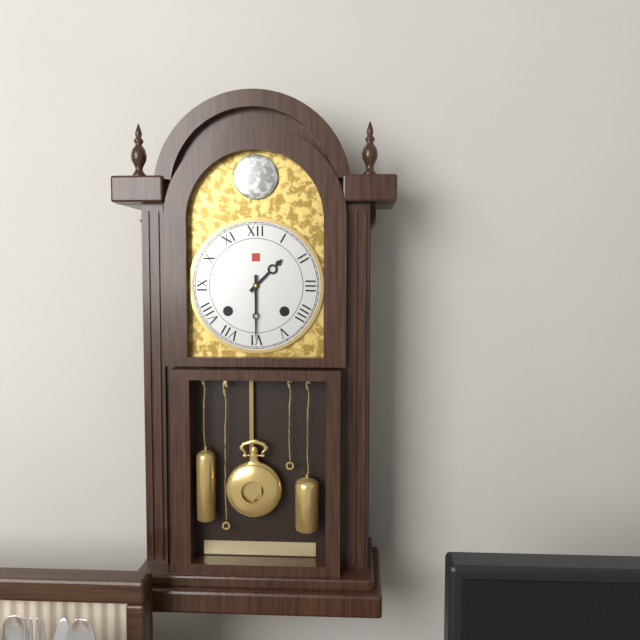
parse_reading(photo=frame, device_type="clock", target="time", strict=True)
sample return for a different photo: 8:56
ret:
1:30
